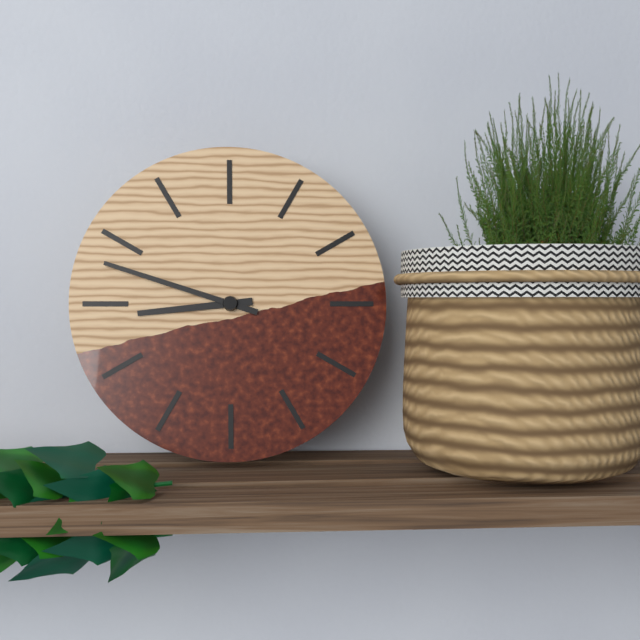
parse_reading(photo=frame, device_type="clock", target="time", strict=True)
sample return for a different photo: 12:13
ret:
8:48
